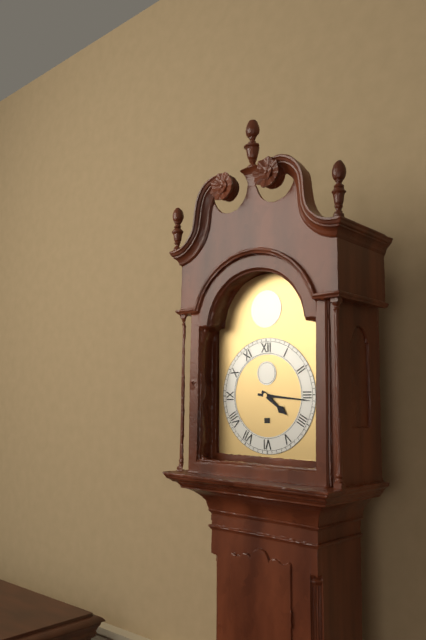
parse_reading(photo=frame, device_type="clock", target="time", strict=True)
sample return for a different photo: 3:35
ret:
4:16
